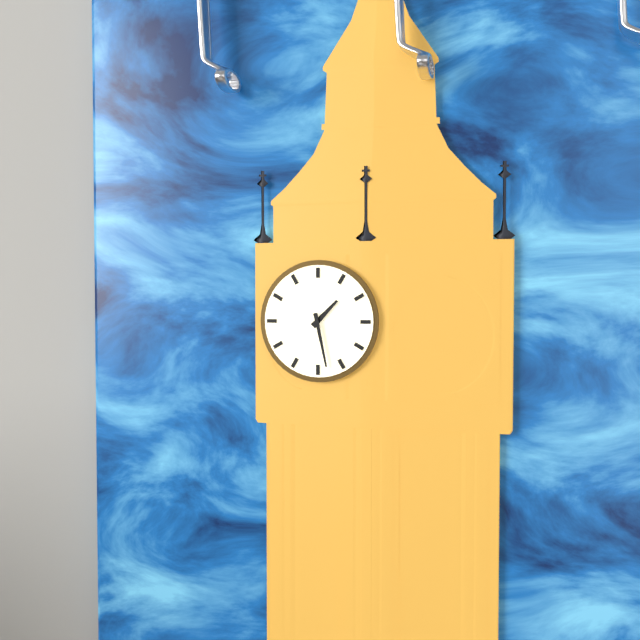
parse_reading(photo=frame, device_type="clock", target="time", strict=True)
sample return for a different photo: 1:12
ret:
1:28
